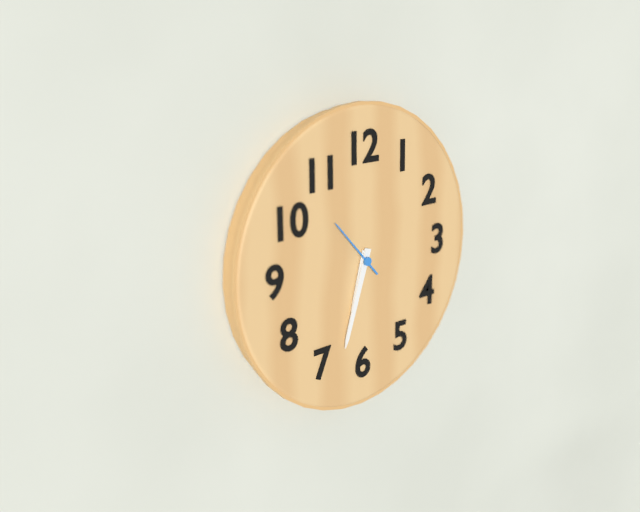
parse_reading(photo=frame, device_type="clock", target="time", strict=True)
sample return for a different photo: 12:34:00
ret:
6:33:53
